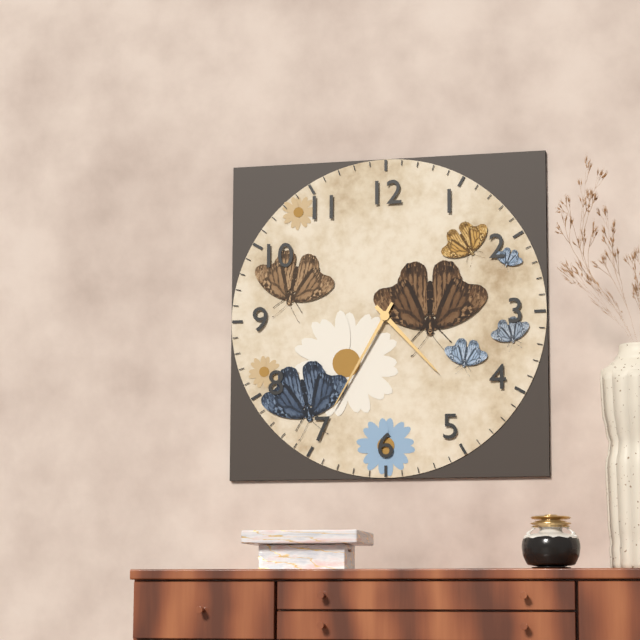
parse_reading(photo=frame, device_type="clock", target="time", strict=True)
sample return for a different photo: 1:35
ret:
4:35
